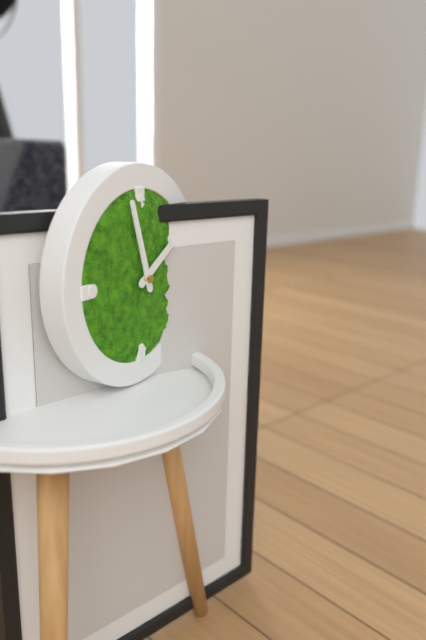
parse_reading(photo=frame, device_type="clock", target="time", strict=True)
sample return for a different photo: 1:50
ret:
1:57
